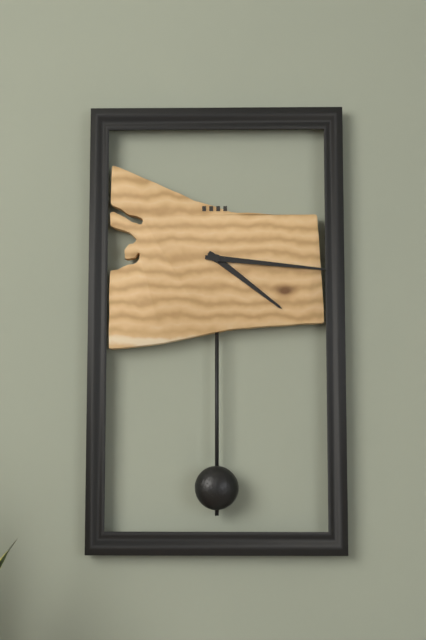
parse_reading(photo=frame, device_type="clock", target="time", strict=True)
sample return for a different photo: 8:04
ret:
4:16
